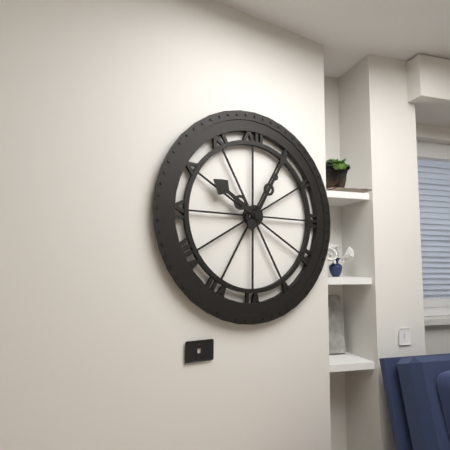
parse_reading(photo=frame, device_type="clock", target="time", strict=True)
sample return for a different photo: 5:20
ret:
10:05
